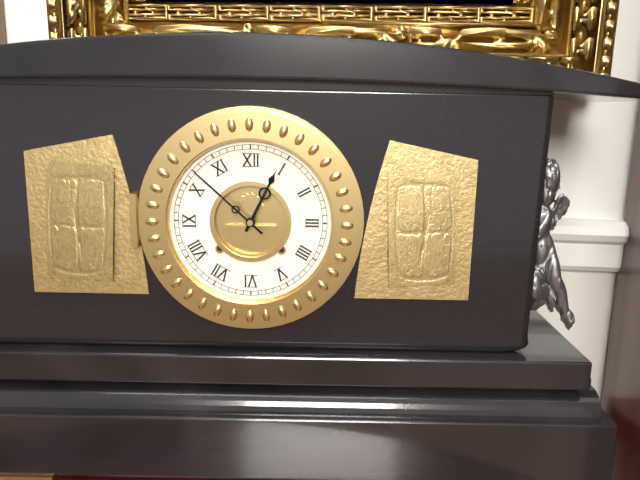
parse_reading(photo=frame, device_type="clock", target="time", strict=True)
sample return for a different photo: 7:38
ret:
12:52
